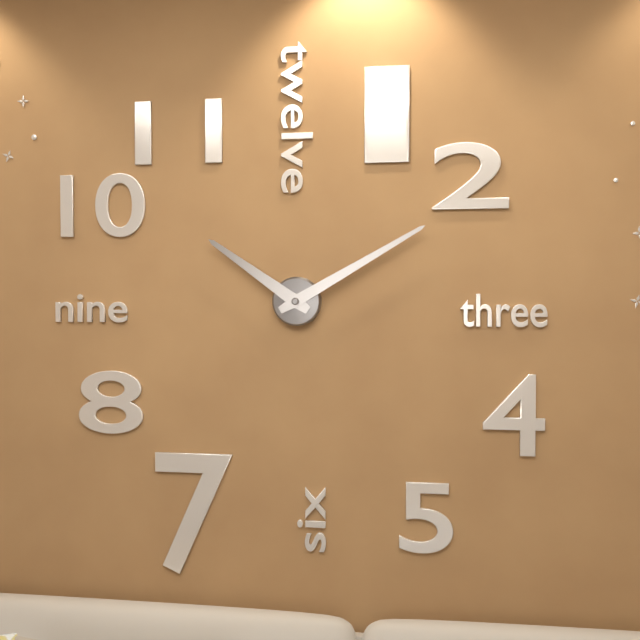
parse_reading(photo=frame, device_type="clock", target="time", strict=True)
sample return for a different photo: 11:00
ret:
10:10
